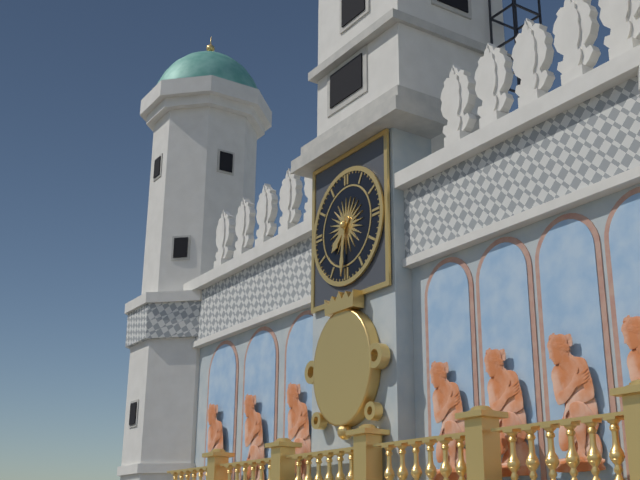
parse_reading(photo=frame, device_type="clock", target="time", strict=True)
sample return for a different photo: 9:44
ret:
7:31
